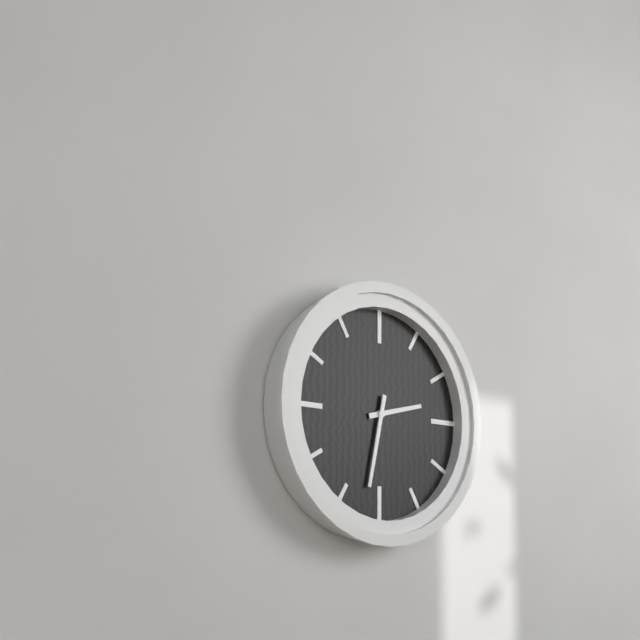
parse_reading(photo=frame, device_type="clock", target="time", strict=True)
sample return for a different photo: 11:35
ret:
2:32
